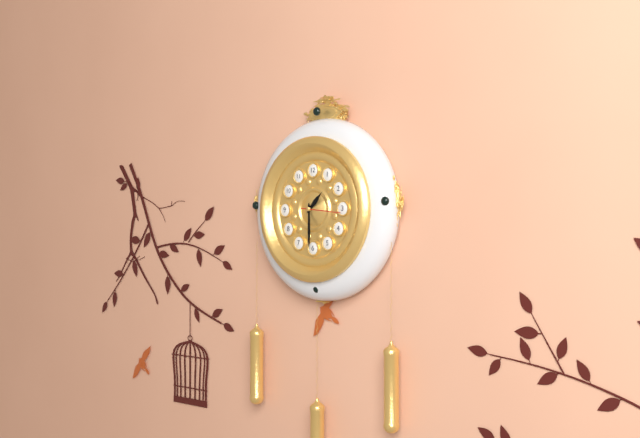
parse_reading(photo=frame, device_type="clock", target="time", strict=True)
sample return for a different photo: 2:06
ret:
1:30
